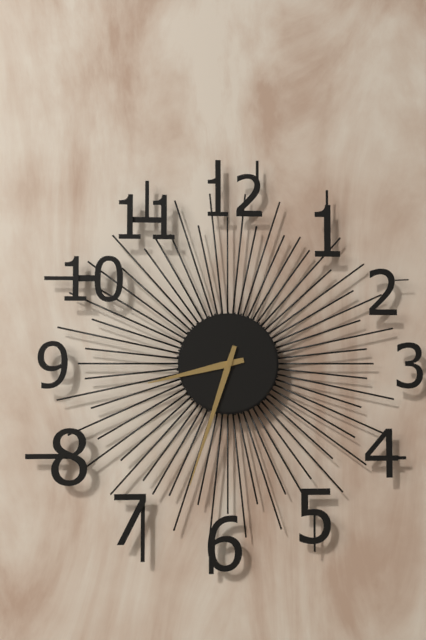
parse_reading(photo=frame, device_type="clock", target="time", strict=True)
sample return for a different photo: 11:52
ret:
8:33
